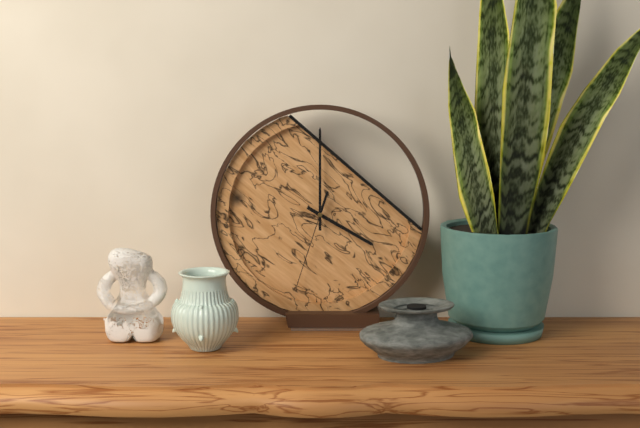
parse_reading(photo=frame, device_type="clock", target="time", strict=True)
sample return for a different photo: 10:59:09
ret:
4:00:33
